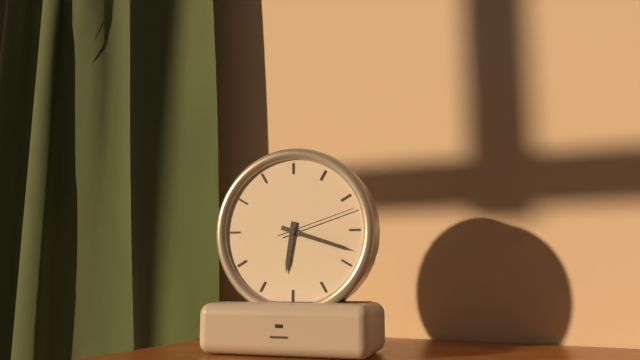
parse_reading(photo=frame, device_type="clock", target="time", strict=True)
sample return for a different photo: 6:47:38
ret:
6:18:12
